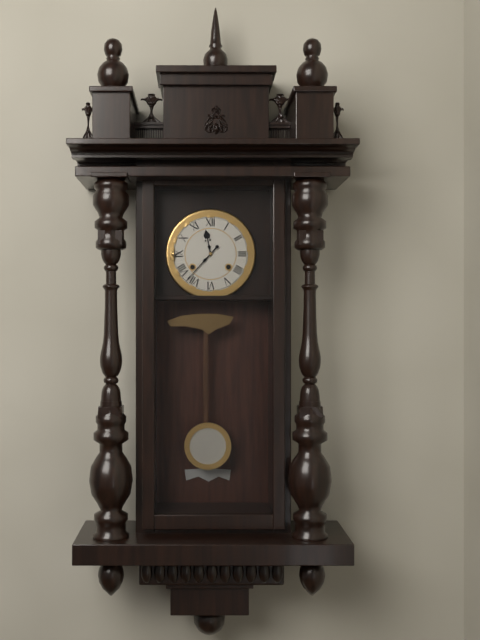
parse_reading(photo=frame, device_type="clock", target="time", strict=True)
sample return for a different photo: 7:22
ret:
11:37
